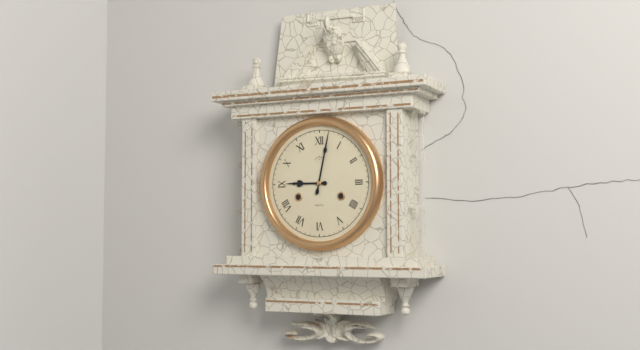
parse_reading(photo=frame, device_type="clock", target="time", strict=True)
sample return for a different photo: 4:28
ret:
9:02
